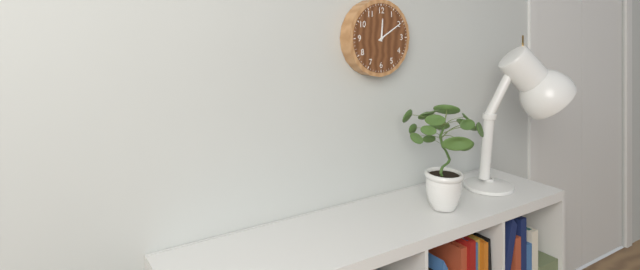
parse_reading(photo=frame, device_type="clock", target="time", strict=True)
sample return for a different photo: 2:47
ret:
12:10
